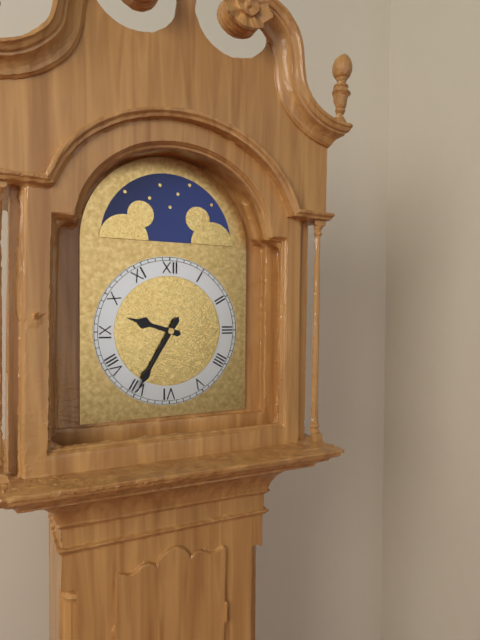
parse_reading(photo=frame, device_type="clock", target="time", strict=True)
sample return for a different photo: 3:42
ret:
9:35
